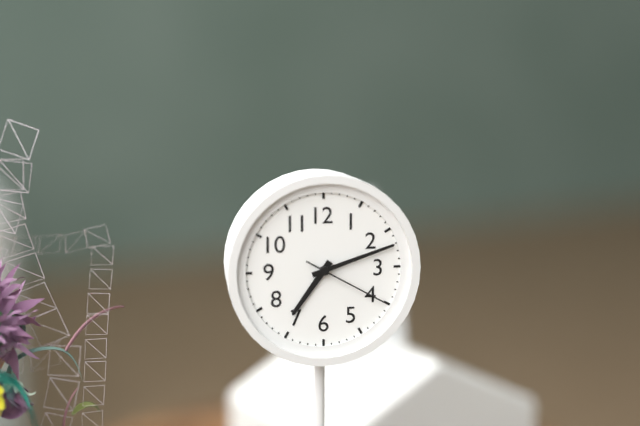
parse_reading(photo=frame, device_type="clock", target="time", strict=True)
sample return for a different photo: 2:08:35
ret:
7:12:20
